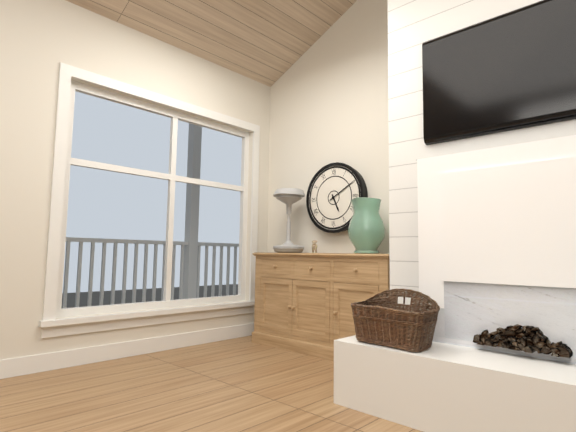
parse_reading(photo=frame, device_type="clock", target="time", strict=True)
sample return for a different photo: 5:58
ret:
5:10
